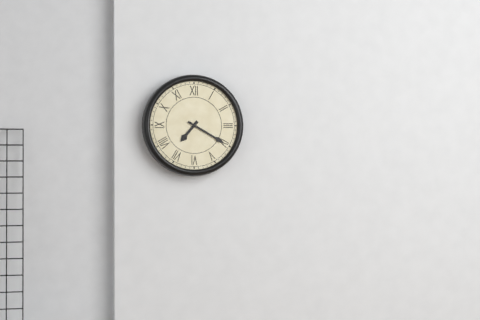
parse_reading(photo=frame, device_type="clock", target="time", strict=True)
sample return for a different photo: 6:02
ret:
7:20
